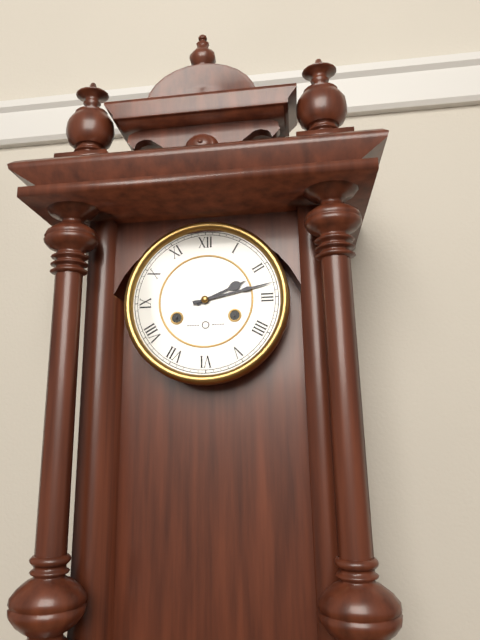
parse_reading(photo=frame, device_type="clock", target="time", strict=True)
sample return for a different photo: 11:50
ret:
2:13
